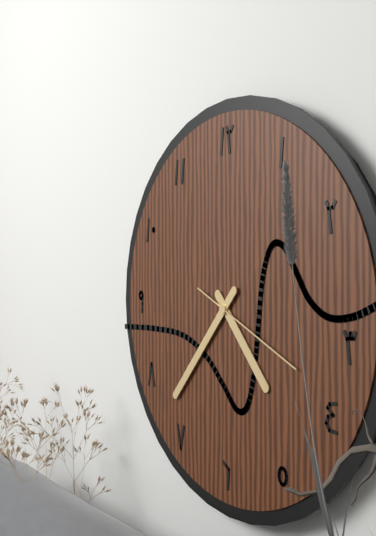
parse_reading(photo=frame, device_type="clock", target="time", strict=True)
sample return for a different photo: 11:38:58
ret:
4:37:19
